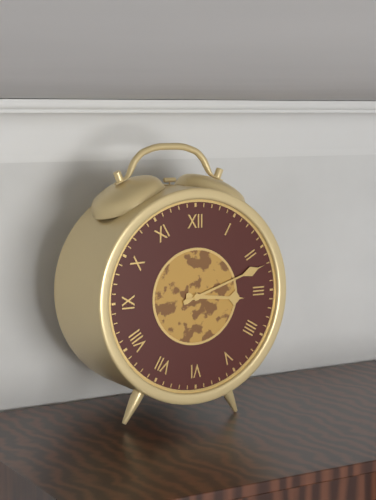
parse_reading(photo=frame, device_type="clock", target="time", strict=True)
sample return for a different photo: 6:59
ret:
3:12
